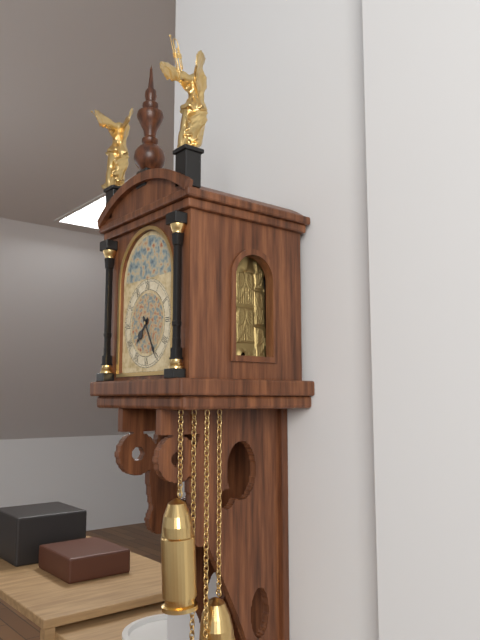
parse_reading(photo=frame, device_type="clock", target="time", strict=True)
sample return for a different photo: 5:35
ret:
7:25
